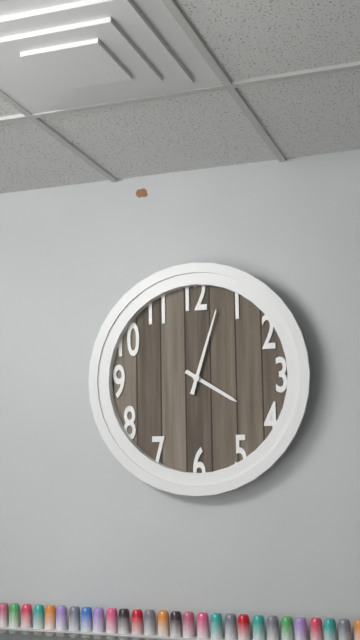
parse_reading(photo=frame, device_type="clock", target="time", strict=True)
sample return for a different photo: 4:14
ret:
4:03
